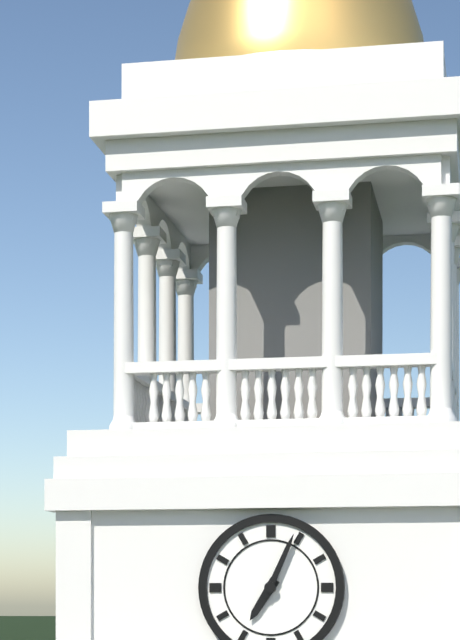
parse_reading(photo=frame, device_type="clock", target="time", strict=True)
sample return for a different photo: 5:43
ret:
7:04
